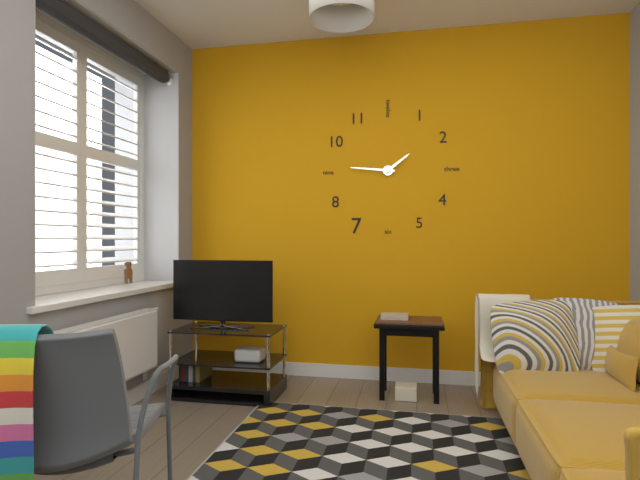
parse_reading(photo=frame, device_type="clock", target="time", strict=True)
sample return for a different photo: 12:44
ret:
1:46
